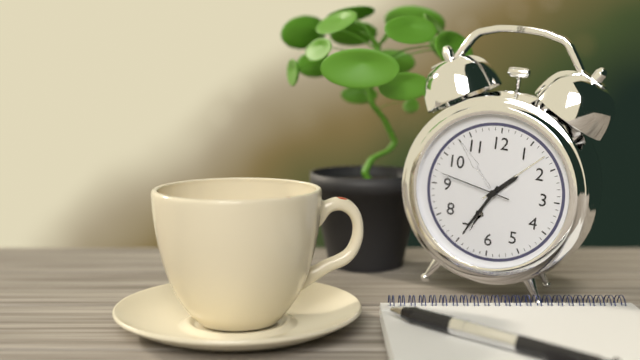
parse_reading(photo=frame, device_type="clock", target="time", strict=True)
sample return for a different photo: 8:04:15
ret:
1:35:47
